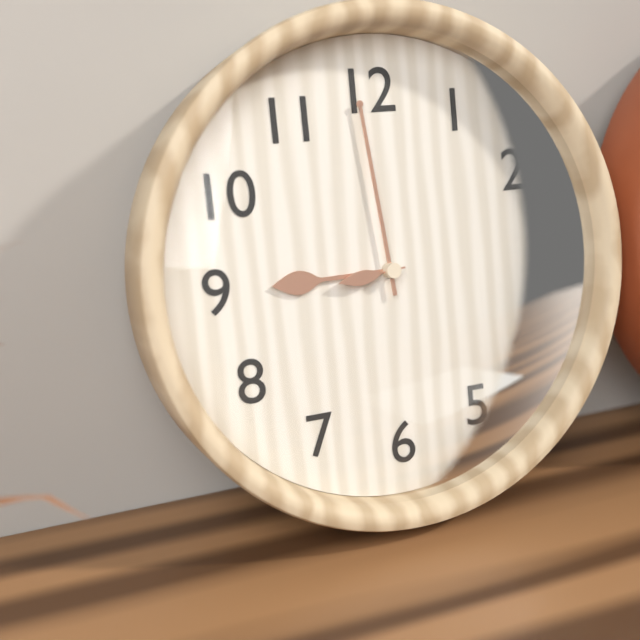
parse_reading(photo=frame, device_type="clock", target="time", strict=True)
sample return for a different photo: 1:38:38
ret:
8:59:44
